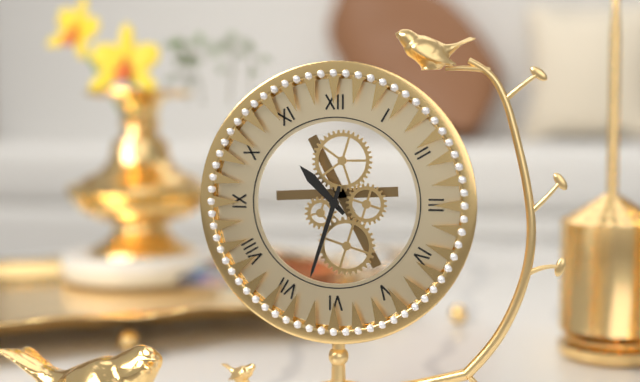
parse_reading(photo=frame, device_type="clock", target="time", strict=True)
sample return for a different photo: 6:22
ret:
10:33
